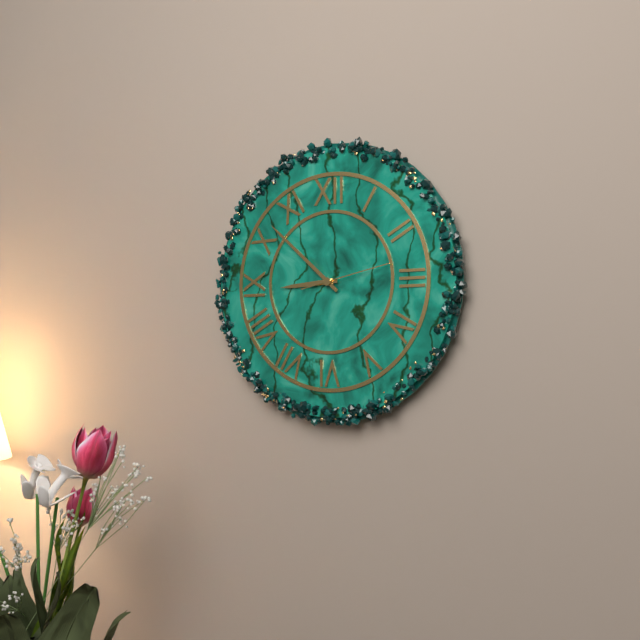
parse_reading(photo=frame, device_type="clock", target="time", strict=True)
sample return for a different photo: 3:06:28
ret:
8:52:13
